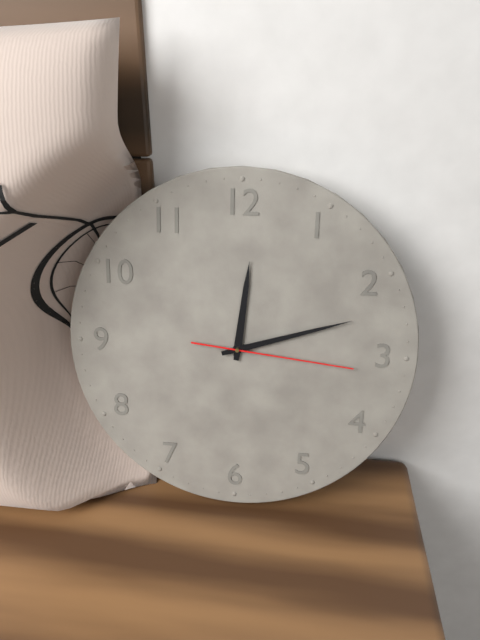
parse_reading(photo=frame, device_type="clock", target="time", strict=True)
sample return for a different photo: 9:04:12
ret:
12:12:16
